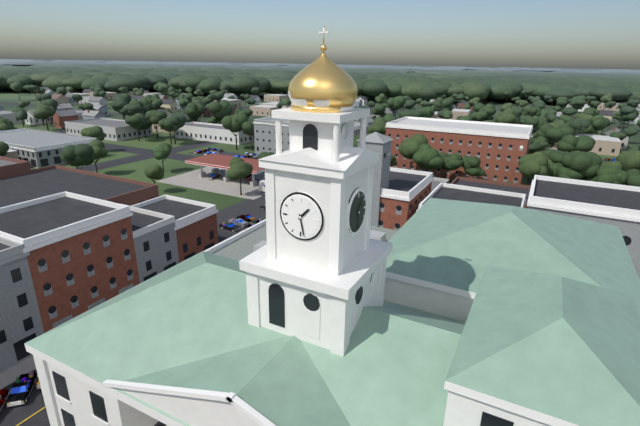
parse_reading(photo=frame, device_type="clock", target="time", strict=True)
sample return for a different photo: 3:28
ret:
1:28
